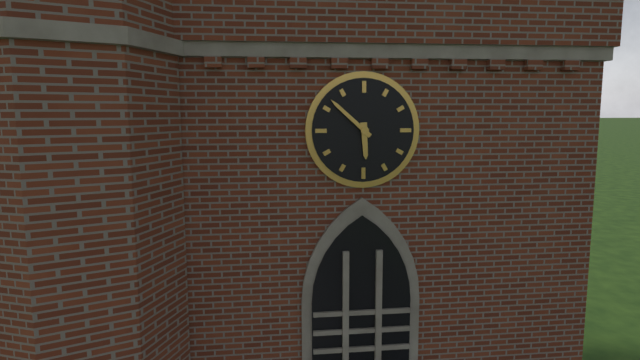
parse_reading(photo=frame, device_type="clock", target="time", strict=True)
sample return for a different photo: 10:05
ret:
5:52
